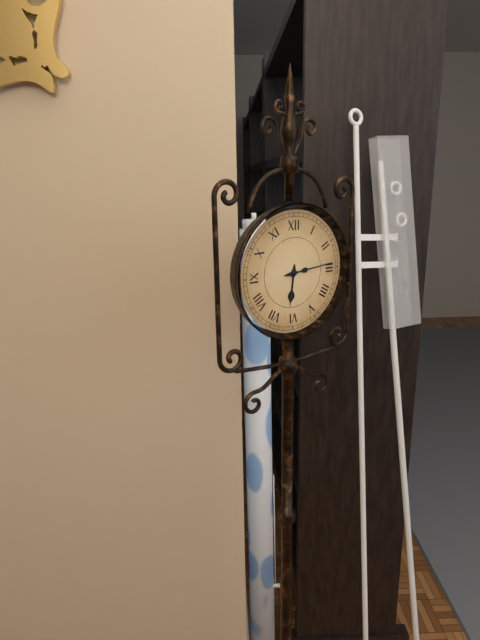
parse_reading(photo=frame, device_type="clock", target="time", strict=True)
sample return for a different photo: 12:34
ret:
6:14
